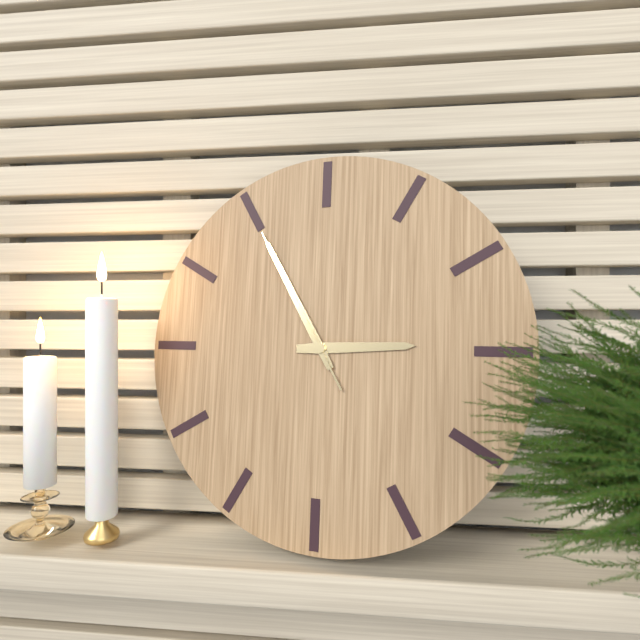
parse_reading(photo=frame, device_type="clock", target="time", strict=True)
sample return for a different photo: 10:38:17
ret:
2:55:55
